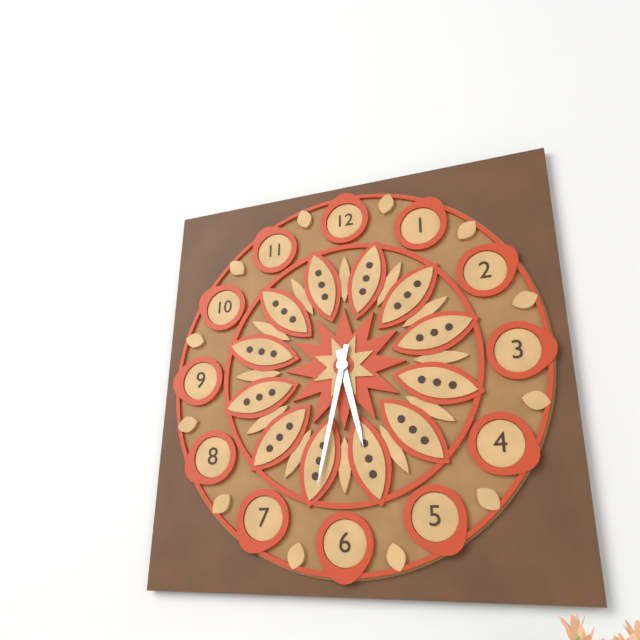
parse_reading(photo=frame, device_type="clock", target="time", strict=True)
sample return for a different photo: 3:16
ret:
5:32
